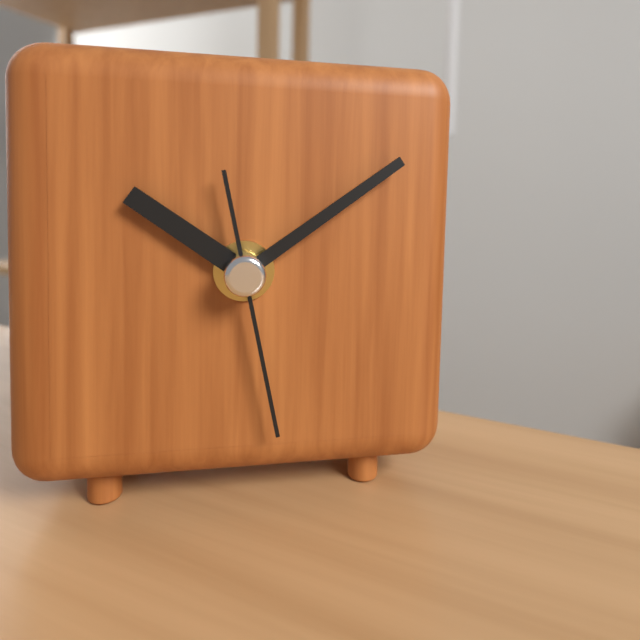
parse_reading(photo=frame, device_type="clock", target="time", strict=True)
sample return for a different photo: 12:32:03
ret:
10:09:28
